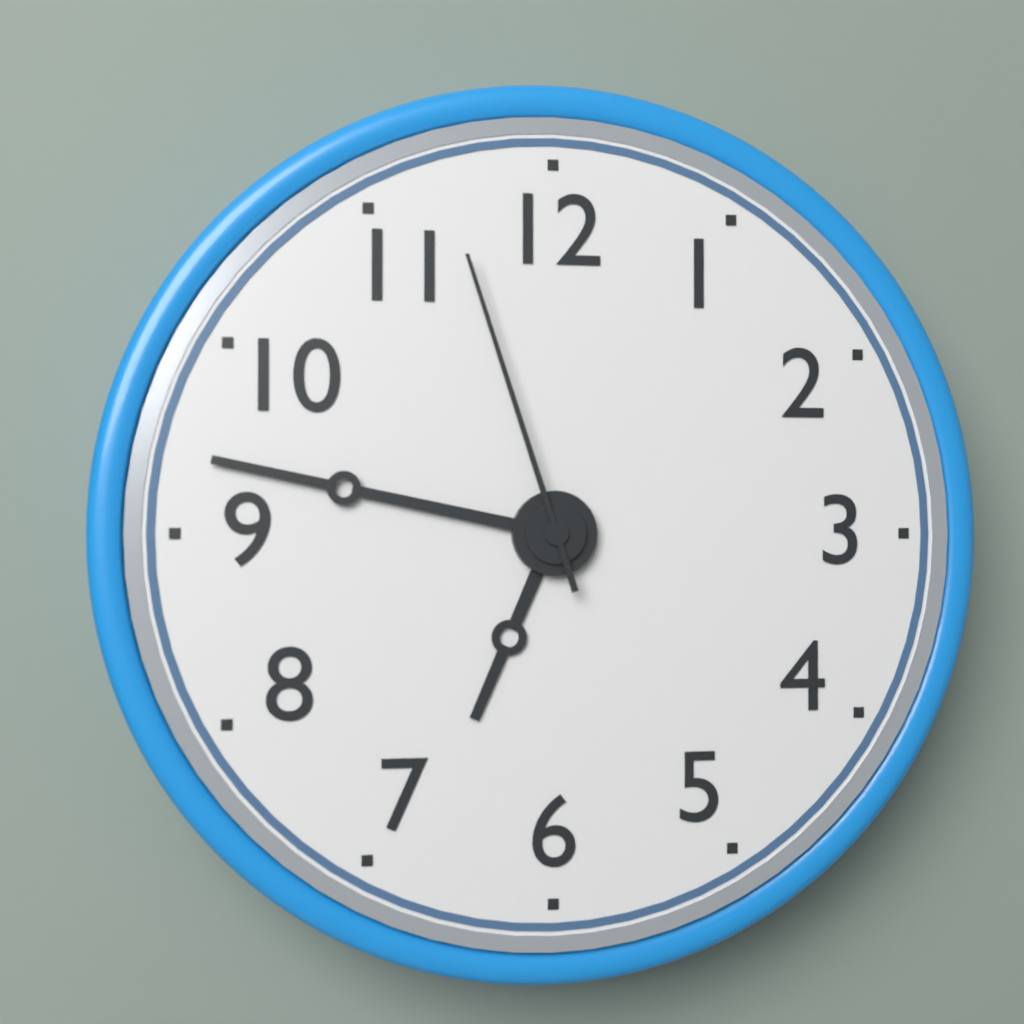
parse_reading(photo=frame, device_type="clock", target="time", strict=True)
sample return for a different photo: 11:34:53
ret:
6:47:57
